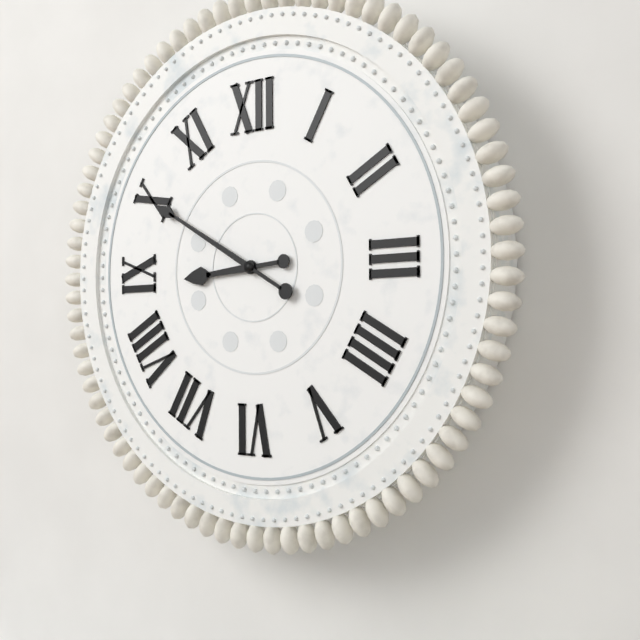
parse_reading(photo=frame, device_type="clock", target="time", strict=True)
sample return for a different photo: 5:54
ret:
8:50
